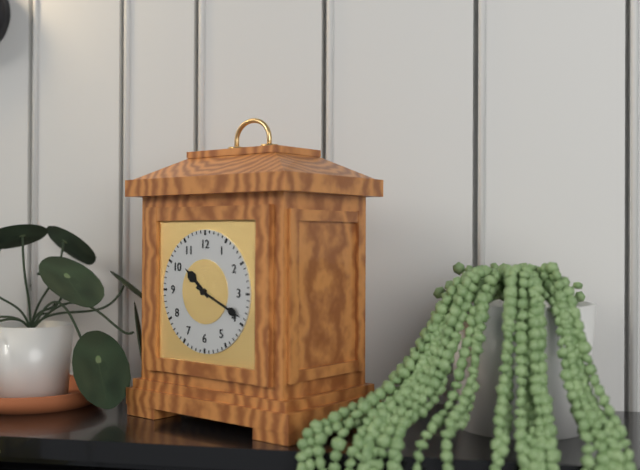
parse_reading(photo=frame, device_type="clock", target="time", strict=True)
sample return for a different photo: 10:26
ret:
10:19
